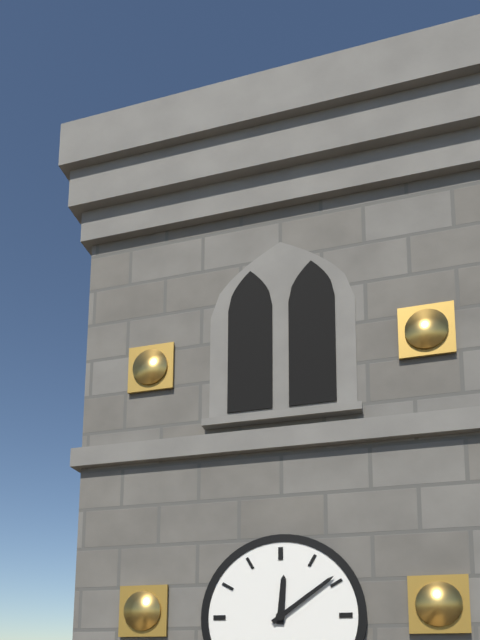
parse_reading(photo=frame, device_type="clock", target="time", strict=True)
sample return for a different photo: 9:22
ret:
12:09
